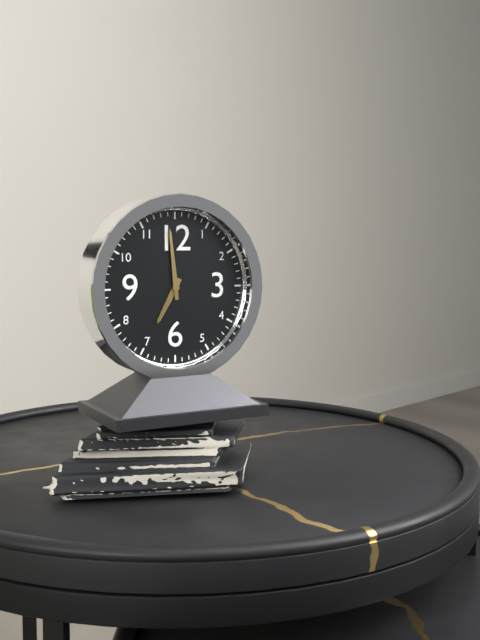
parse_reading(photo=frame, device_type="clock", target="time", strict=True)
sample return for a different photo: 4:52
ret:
6:59
